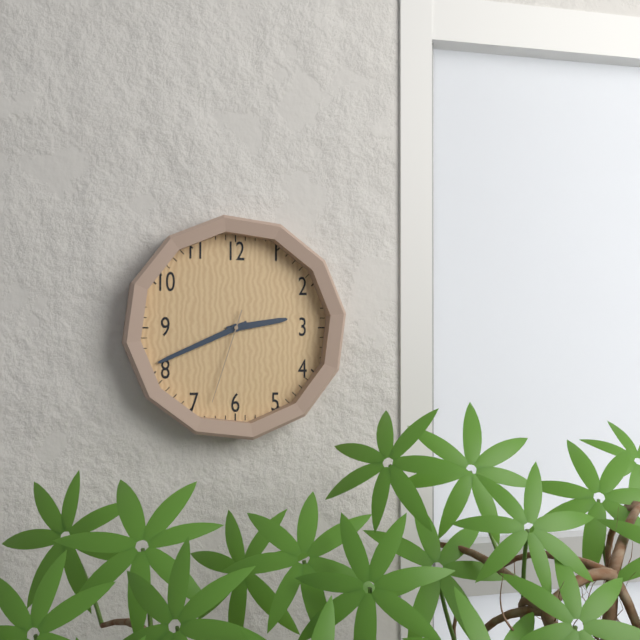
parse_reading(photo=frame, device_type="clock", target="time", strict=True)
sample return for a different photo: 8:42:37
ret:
2:41:33
